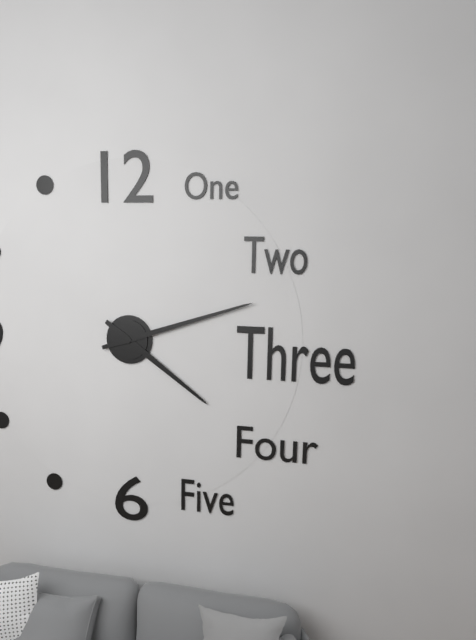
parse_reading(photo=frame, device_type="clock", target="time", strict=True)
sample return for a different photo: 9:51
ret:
4:12
